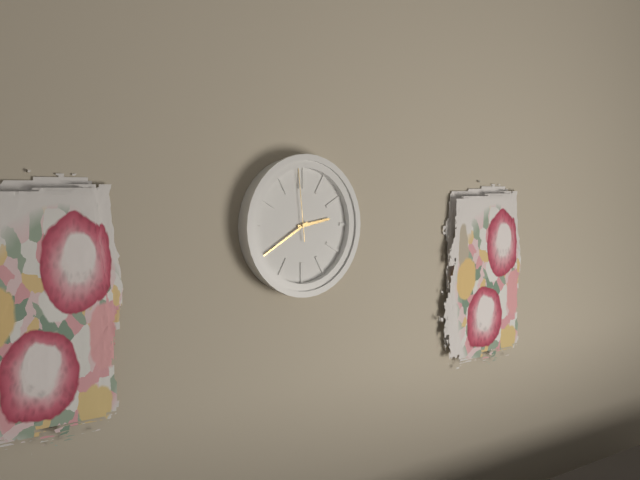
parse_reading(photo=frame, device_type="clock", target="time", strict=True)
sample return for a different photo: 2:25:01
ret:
2:40:59
